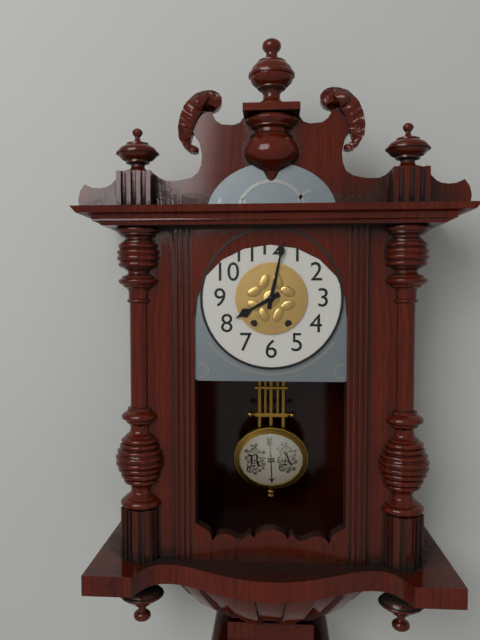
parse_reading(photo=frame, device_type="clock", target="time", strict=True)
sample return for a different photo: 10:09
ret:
8:02
